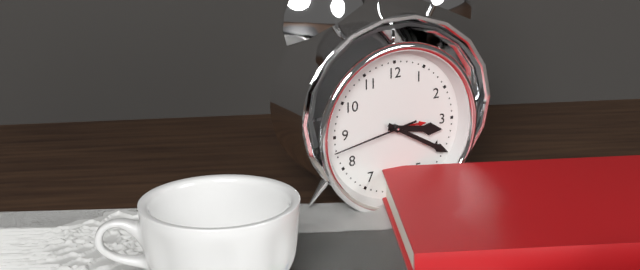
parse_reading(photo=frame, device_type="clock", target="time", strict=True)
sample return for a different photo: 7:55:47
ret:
3:20:43
